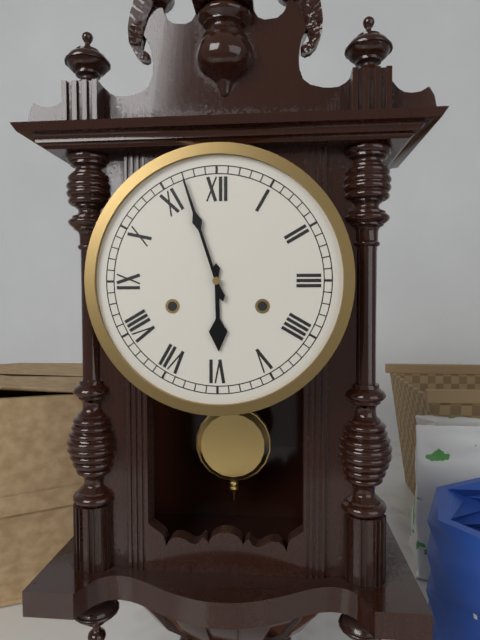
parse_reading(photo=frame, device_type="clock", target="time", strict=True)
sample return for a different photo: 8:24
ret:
5:57
